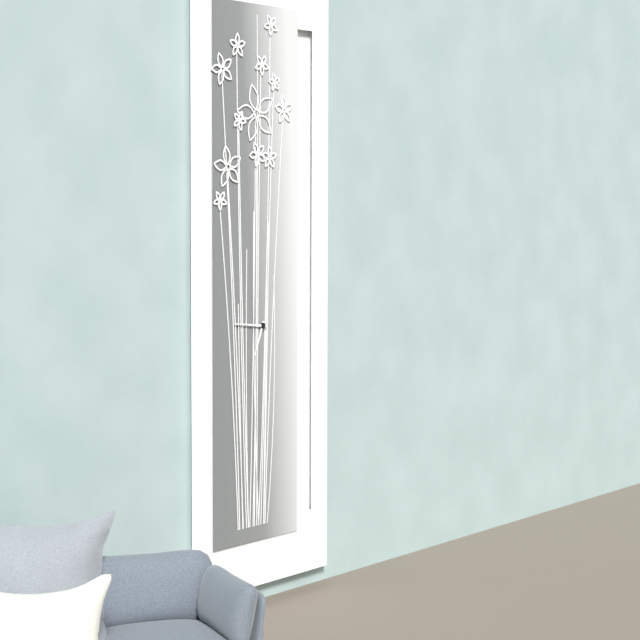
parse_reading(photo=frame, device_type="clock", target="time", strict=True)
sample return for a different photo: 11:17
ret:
6:46
